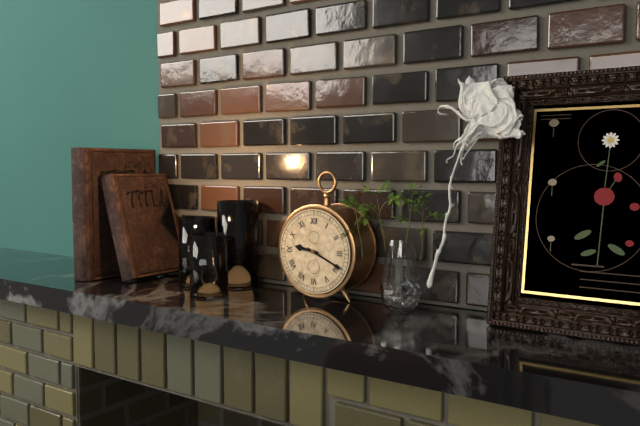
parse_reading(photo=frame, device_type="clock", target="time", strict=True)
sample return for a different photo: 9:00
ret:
9:19
